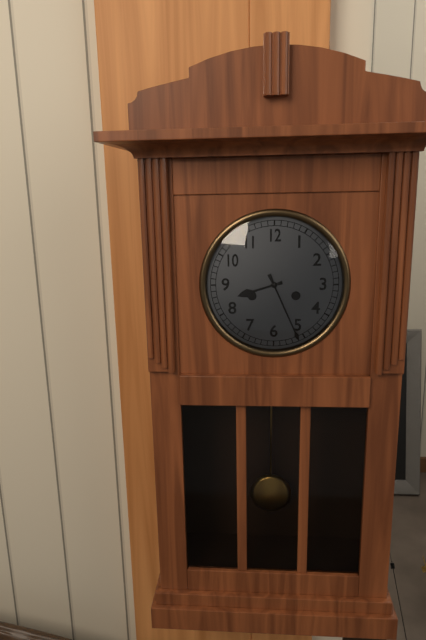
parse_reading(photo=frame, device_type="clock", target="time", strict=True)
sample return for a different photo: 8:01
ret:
8:26
